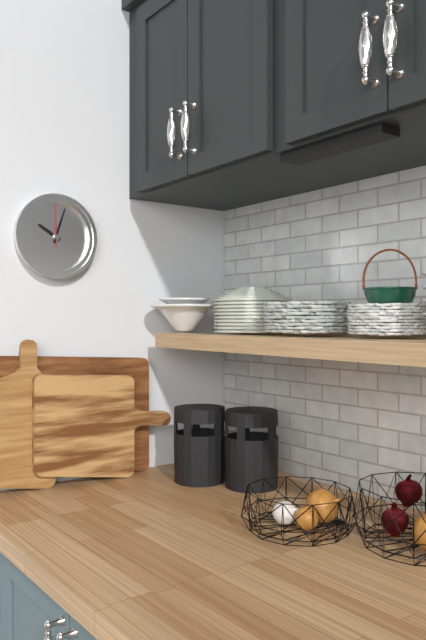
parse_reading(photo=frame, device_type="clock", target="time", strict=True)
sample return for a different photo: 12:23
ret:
10:03
